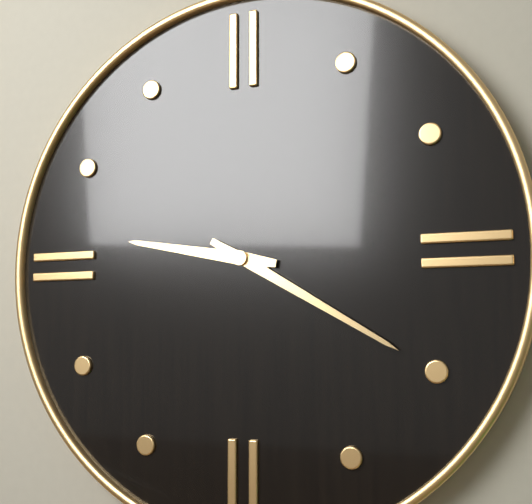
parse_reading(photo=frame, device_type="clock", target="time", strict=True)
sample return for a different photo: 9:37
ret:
9:20
